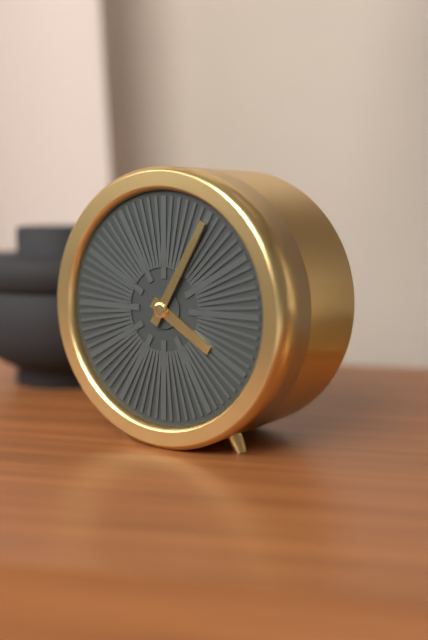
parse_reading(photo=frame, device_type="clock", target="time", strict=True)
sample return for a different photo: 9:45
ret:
4:05
